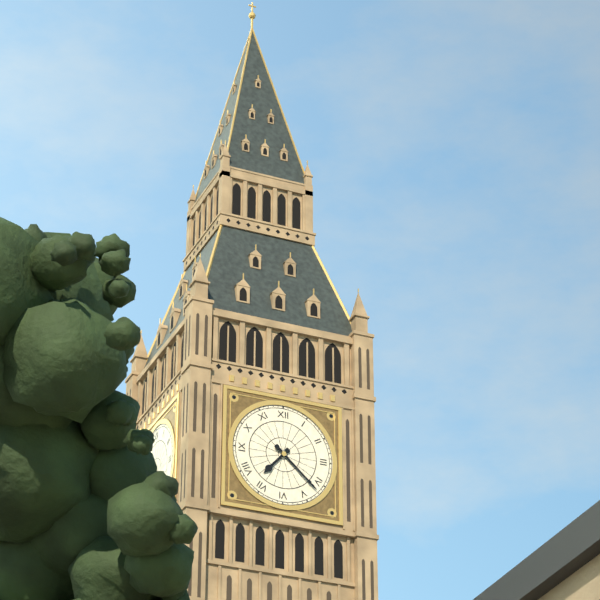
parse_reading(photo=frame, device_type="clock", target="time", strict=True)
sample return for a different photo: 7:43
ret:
7:22
